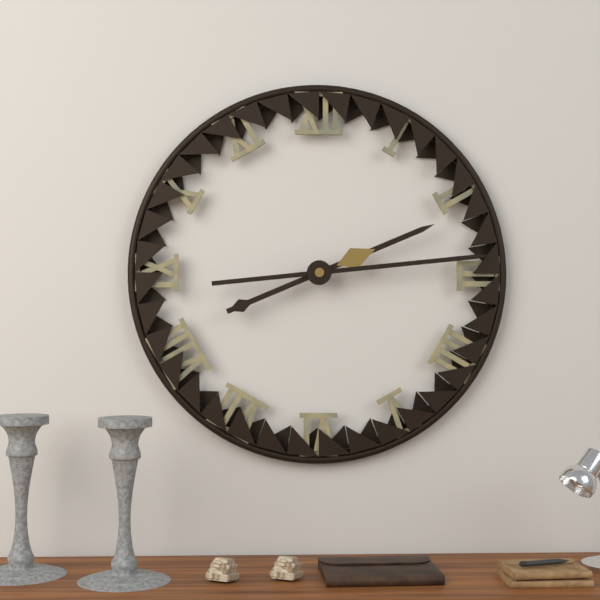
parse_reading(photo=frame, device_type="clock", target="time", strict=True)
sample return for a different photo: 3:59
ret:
2:14
